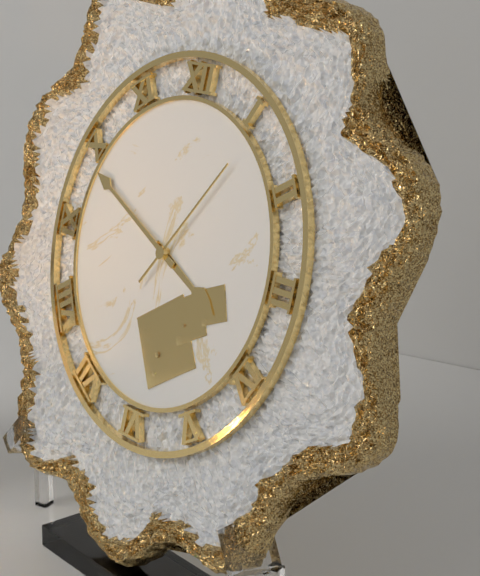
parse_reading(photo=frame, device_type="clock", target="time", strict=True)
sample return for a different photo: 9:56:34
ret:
3:49:06
